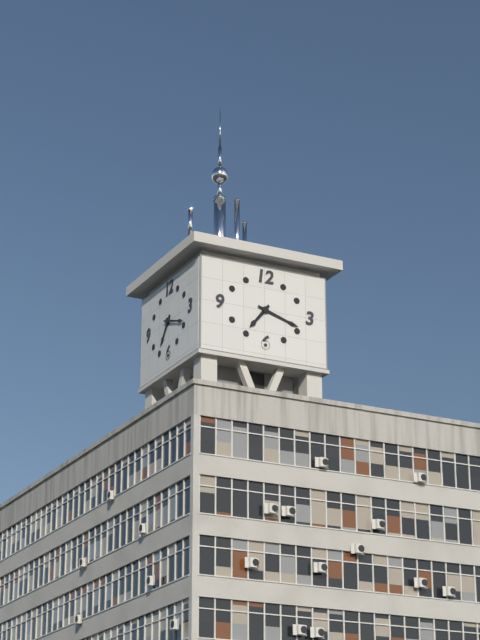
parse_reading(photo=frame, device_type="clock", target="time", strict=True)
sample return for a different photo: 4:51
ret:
7:18
